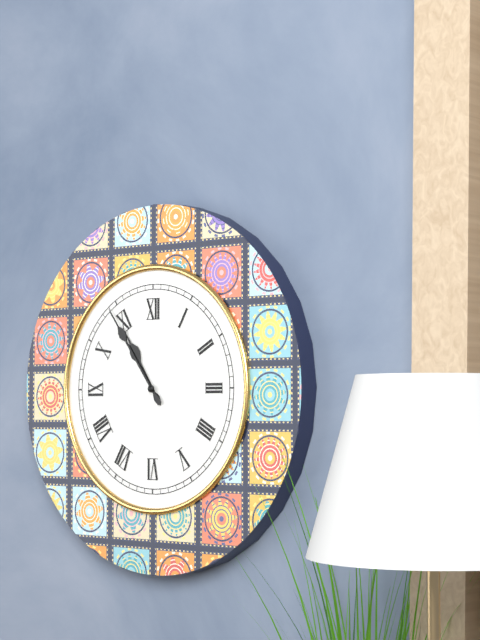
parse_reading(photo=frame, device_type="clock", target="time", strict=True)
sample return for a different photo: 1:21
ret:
10:54
